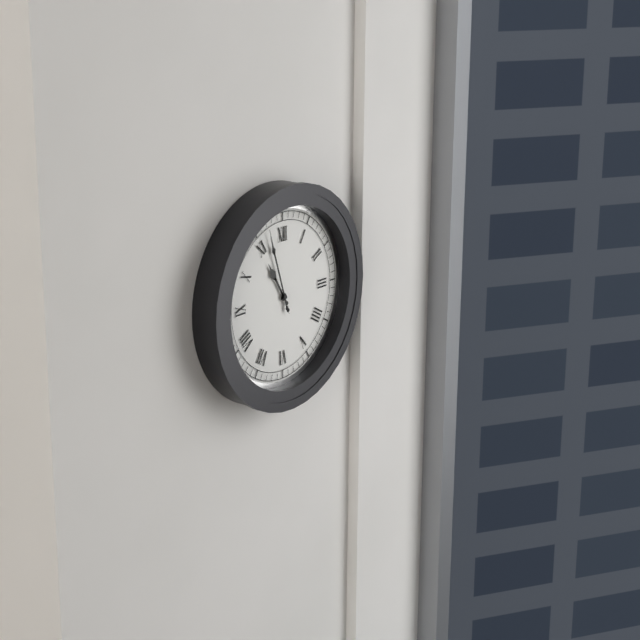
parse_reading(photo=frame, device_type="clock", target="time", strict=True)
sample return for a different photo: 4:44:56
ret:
10:57:57
